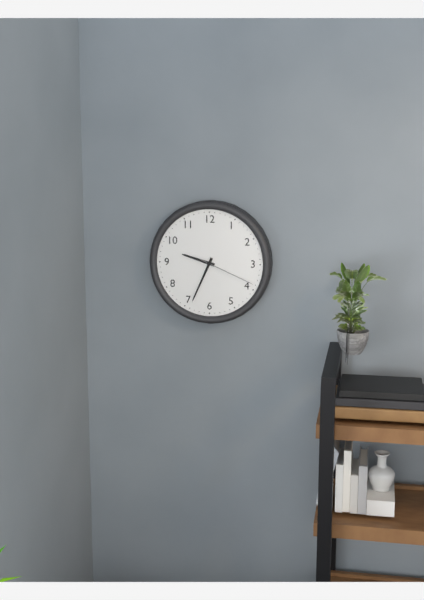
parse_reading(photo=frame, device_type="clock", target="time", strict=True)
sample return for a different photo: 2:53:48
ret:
9:34:19
